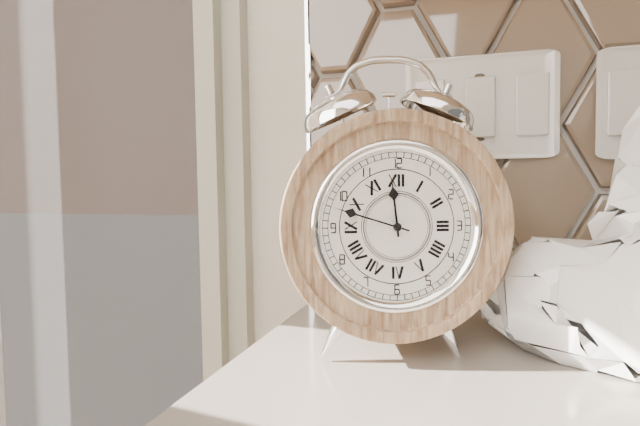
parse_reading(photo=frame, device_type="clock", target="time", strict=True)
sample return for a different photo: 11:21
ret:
11:48
